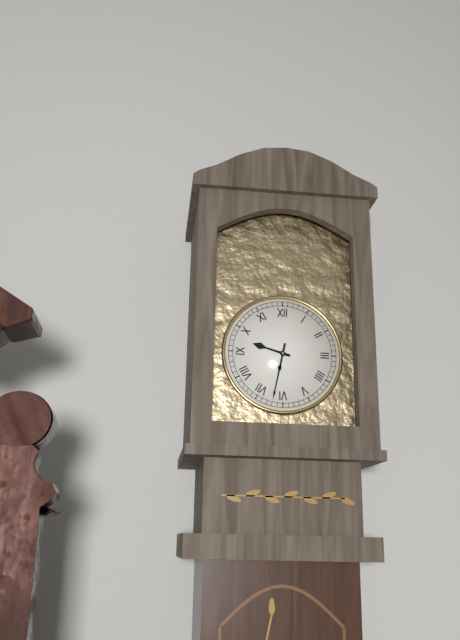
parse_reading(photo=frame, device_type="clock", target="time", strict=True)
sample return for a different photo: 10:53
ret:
9:32
